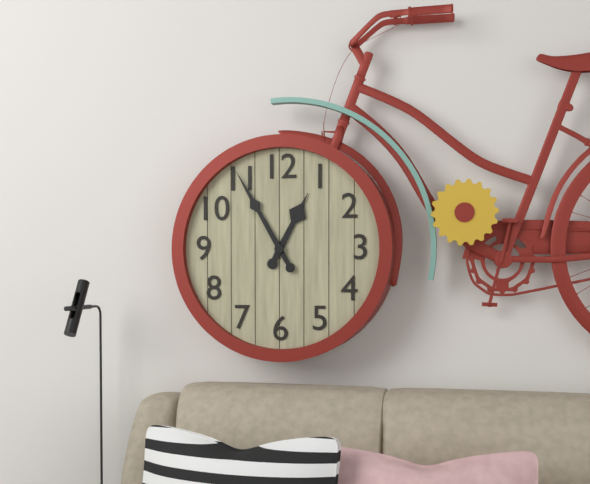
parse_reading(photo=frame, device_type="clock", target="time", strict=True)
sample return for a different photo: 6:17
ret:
12:55
